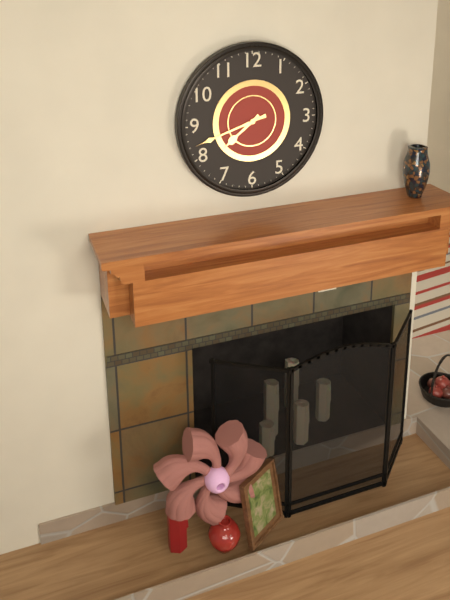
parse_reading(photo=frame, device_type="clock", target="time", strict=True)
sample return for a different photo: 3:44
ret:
7:42
